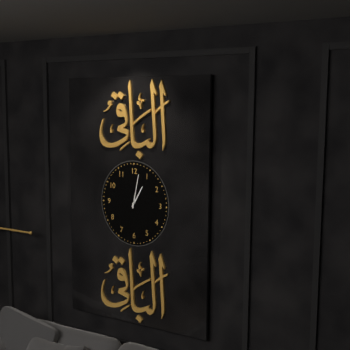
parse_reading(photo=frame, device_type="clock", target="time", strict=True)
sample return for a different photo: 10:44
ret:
1:02
